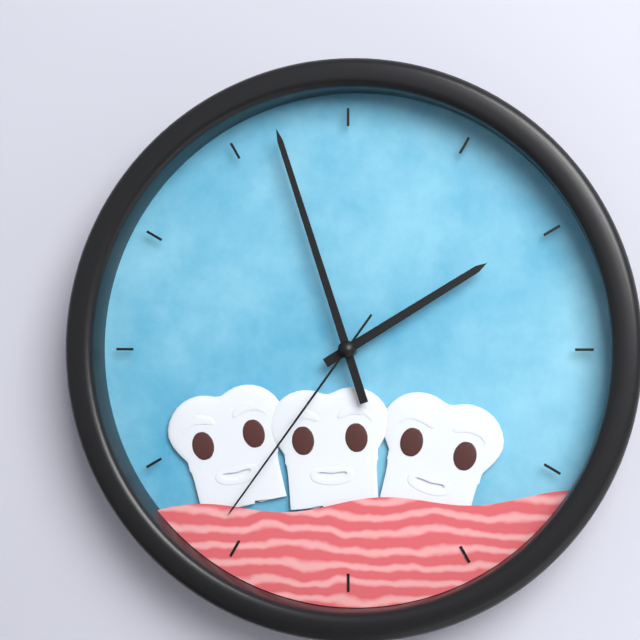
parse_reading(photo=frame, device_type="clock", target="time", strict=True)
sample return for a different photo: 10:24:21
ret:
1:57:36
